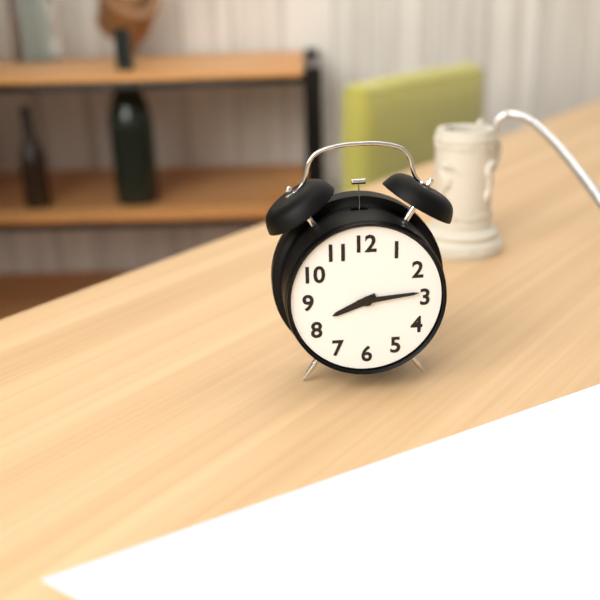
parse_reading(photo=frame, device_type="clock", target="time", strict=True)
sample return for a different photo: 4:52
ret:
8:14
